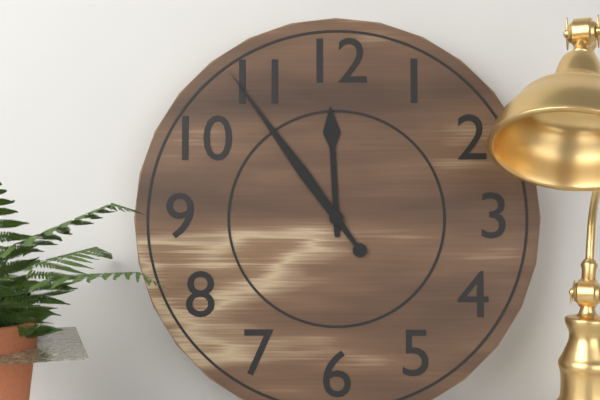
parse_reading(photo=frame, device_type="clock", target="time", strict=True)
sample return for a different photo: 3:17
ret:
11:54
